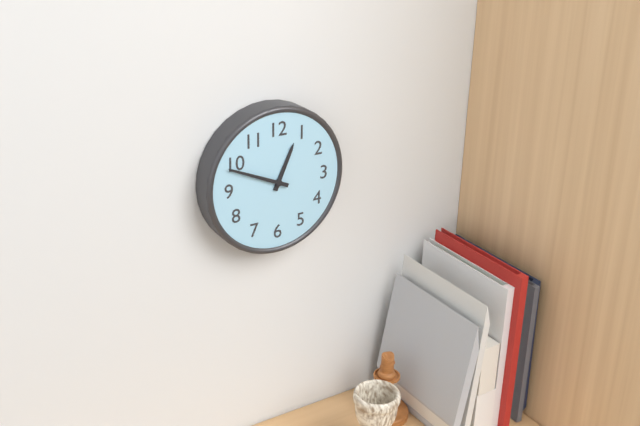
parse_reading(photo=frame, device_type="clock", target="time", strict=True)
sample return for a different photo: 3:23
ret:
12:49
